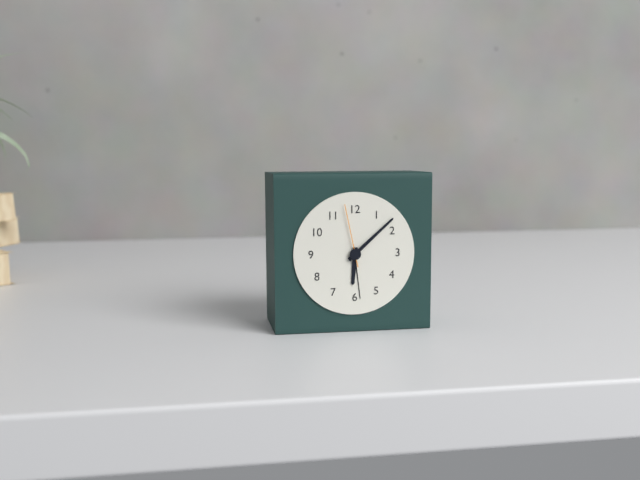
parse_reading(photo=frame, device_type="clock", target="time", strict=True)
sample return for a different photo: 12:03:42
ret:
6:08:58
